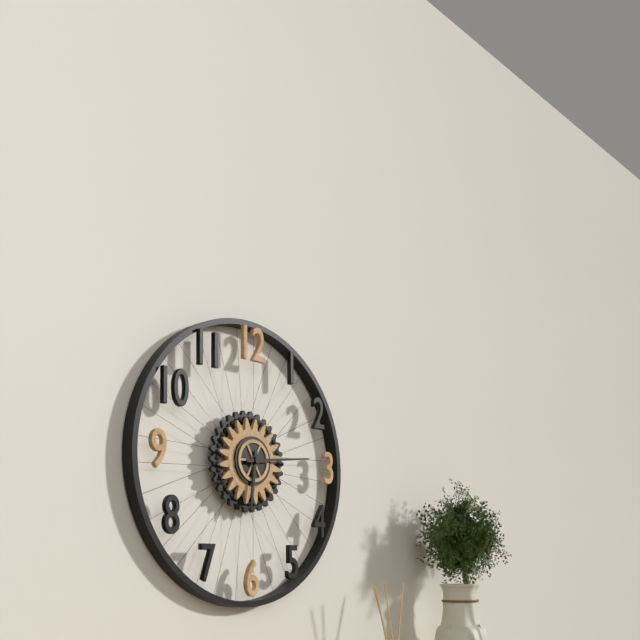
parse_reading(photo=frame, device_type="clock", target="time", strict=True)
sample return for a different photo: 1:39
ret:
6:14
